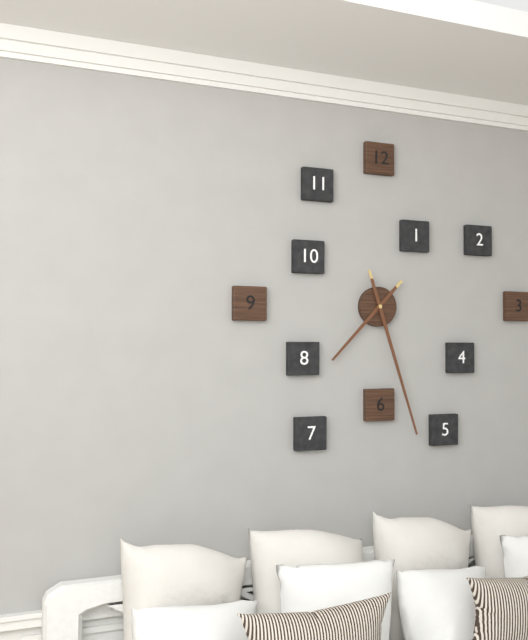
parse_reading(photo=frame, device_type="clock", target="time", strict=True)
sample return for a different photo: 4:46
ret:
7:27
